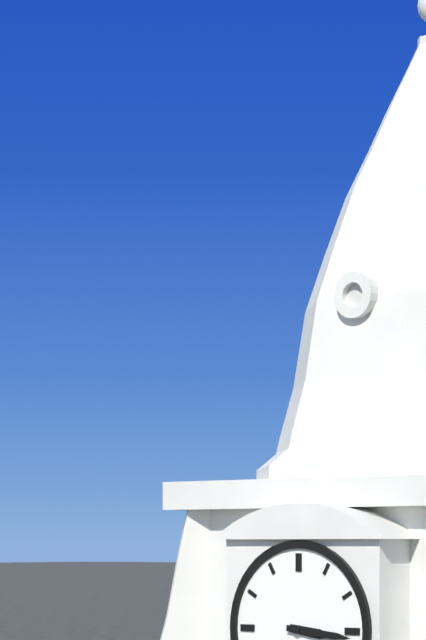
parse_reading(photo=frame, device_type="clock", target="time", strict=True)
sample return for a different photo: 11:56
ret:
3:16
